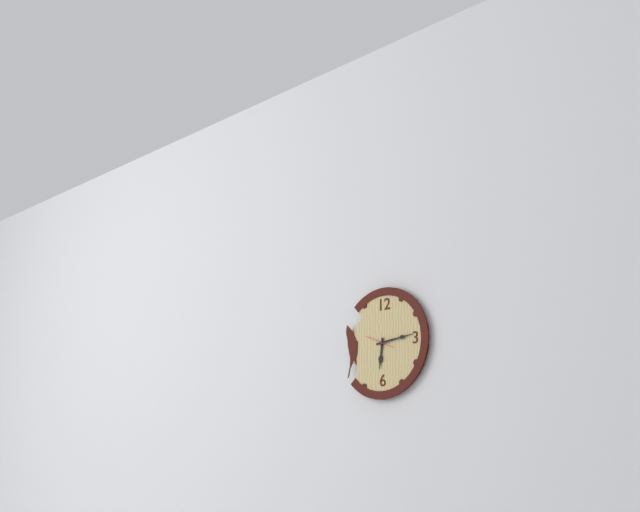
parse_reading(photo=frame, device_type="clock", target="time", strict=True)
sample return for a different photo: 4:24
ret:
6:14
